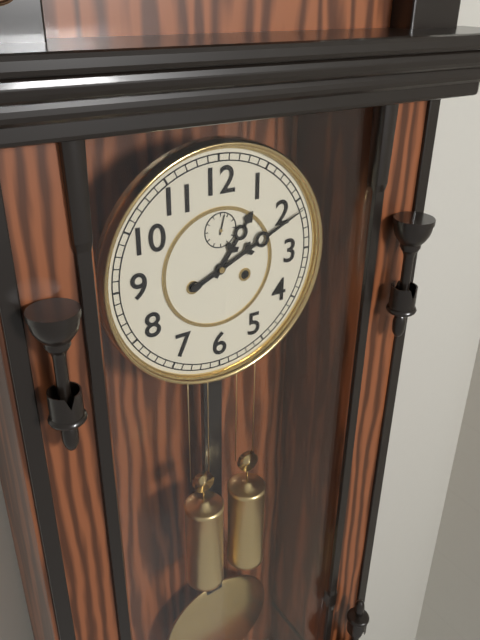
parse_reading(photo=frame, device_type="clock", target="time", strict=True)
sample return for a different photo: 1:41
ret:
1:11
